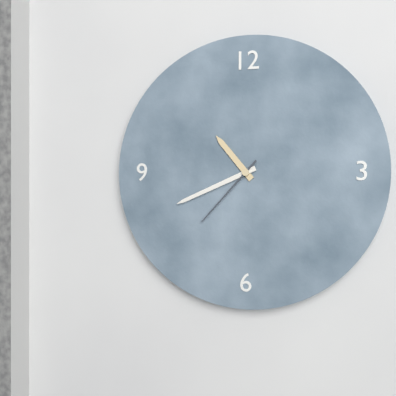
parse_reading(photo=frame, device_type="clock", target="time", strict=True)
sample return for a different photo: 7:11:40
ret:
10:41:37
